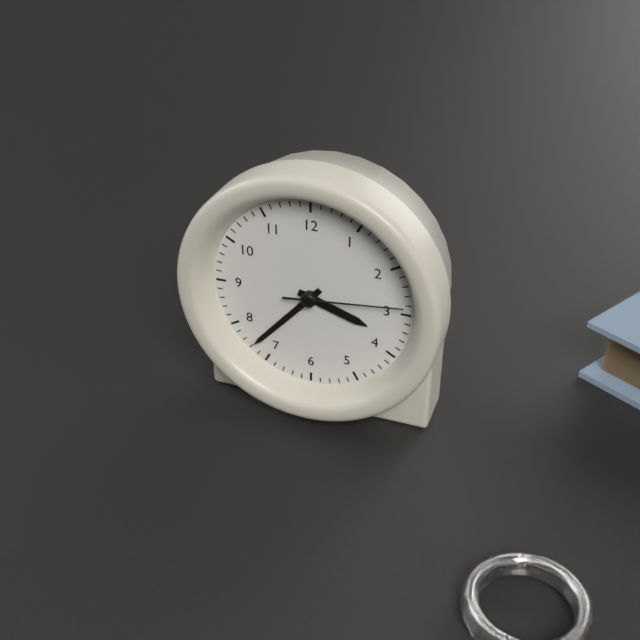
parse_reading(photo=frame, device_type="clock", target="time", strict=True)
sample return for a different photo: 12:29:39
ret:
3:37:14
